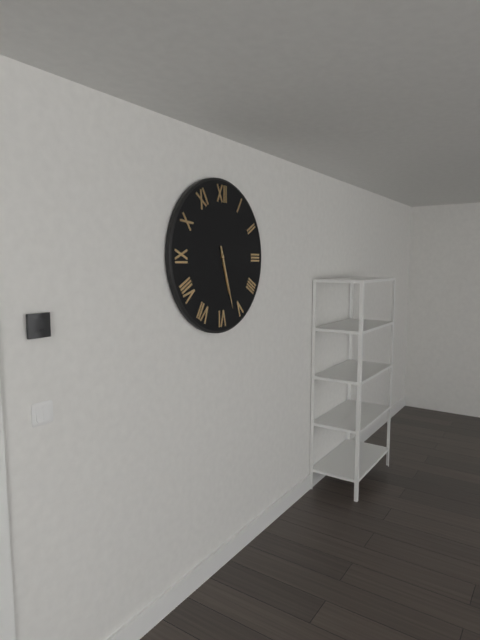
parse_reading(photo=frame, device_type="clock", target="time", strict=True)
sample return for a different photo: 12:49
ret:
5:27
